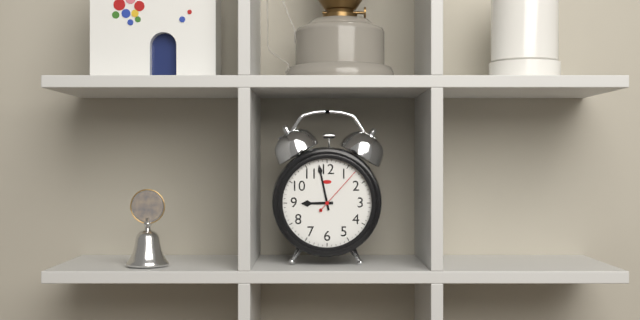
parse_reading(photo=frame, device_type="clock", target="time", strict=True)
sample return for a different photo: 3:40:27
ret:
8:58:07
